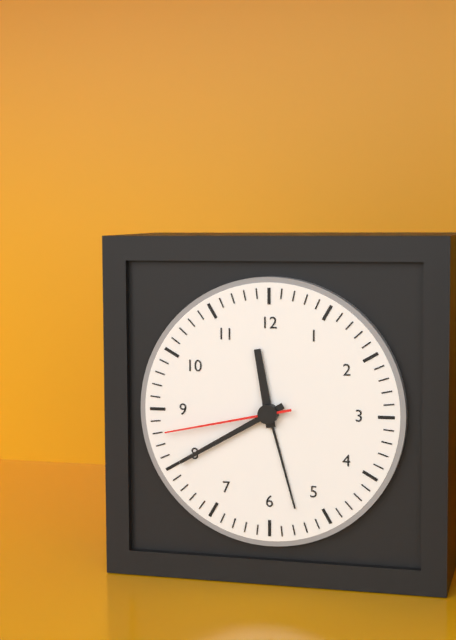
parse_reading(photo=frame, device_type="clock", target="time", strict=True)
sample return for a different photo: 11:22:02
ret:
11:40:43
